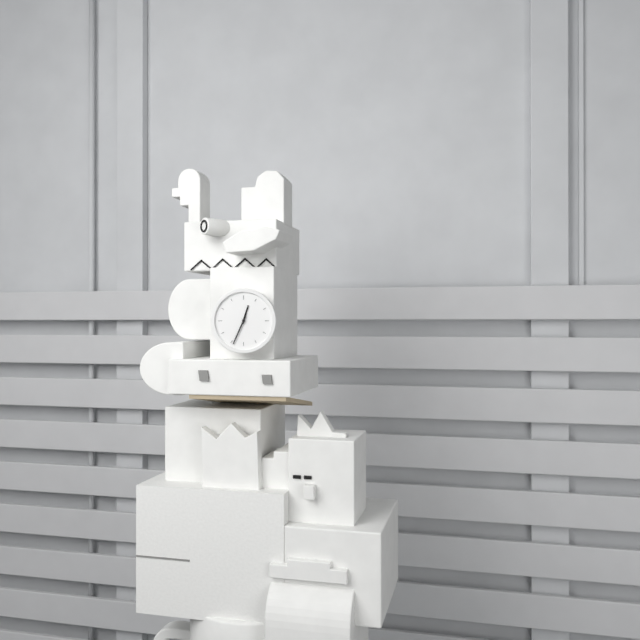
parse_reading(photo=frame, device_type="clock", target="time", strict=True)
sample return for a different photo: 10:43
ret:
12:34
